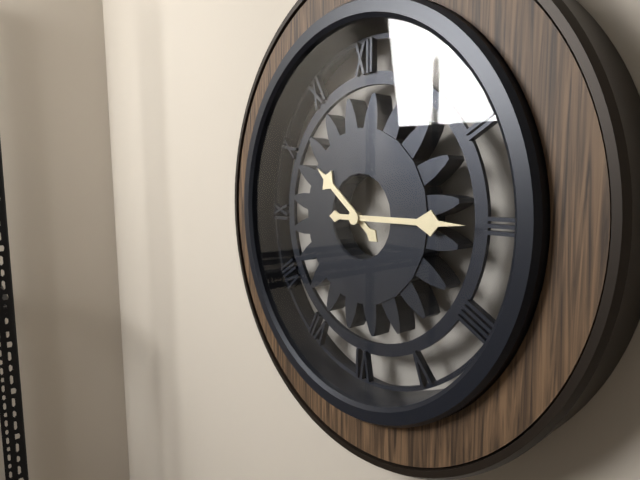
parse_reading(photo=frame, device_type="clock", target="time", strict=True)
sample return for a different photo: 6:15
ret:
10:15
